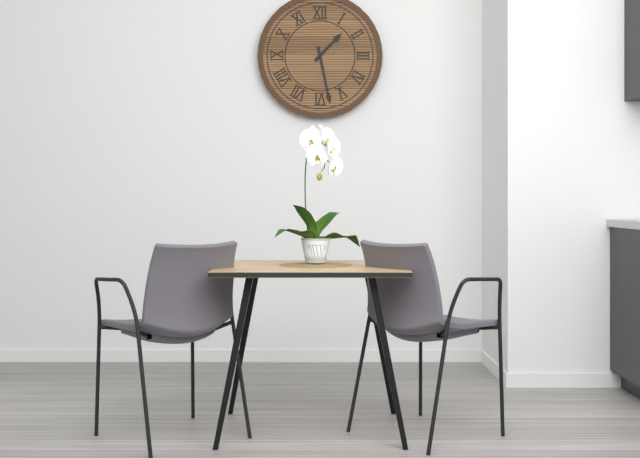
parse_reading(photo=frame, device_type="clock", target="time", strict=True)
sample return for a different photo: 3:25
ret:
1:28
